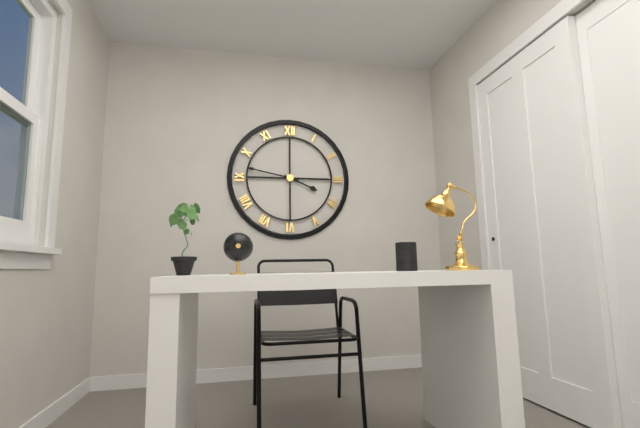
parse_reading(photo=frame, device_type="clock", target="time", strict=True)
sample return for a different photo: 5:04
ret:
3:47
